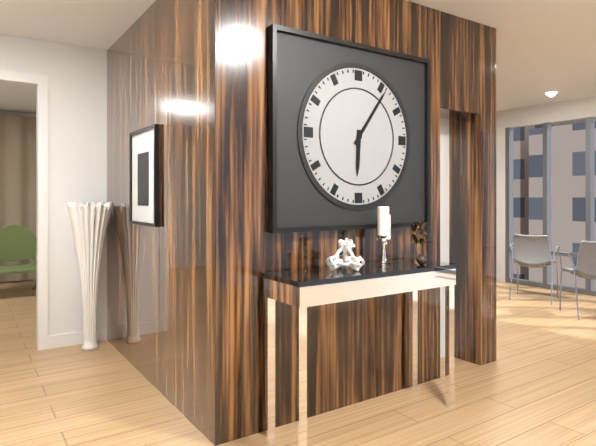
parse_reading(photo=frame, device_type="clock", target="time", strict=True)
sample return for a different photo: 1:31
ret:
6:06
